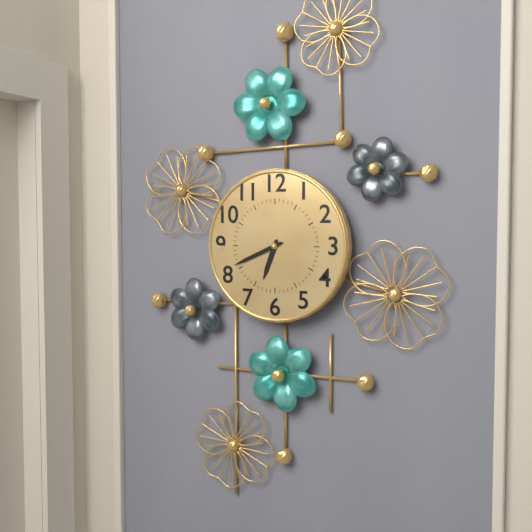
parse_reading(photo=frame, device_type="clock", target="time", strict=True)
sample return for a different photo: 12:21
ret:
6:41
